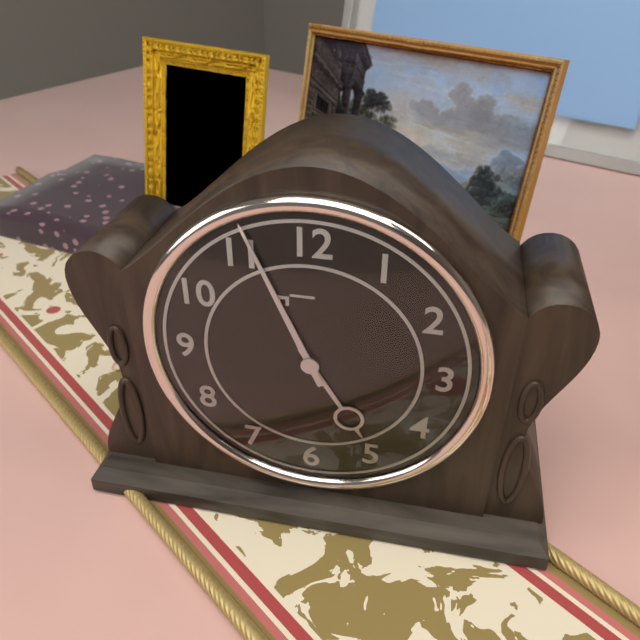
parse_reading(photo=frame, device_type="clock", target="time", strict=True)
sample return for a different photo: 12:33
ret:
4:56
